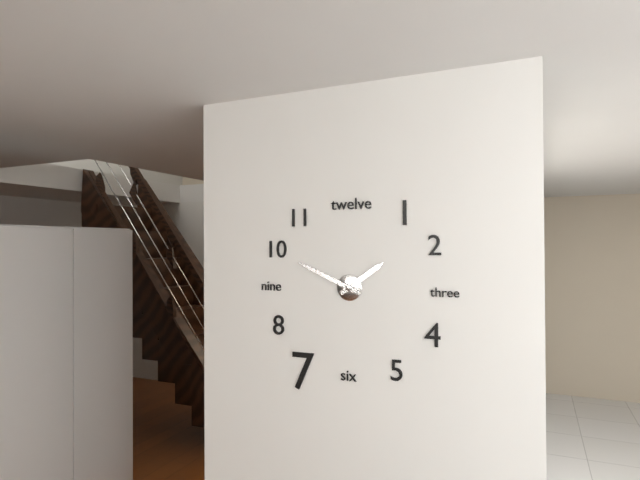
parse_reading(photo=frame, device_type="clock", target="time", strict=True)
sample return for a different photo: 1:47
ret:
1:49
